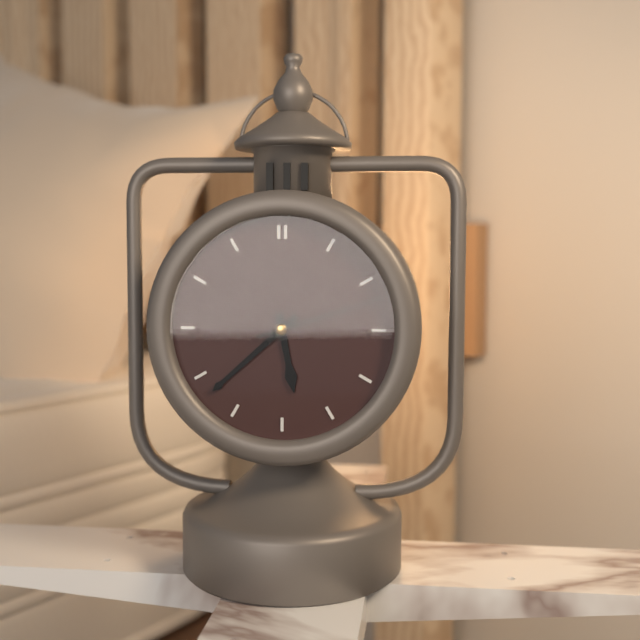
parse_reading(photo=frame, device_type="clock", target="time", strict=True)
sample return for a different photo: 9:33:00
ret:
5:38:12
